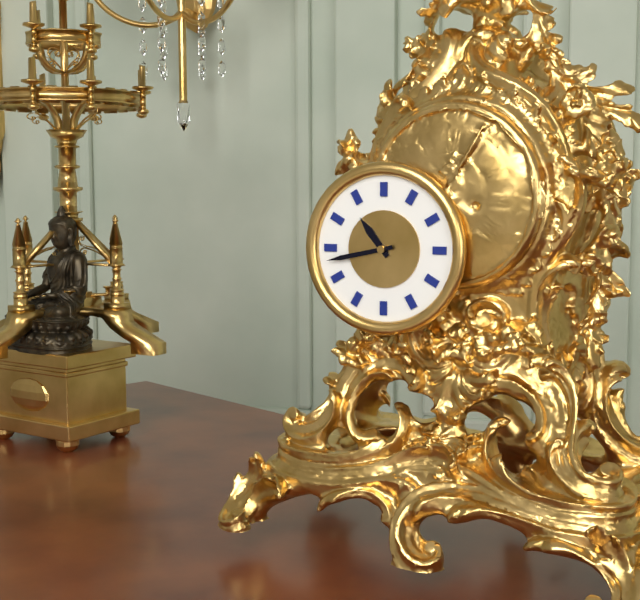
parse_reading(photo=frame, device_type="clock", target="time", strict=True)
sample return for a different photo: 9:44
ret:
10:43
